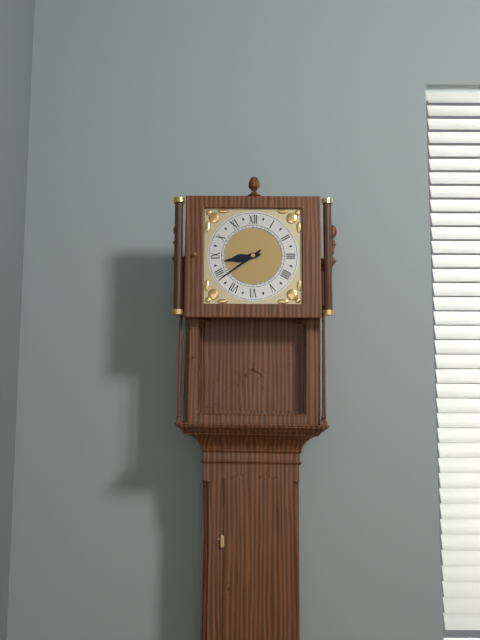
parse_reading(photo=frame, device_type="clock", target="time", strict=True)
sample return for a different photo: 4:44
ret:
8:39
